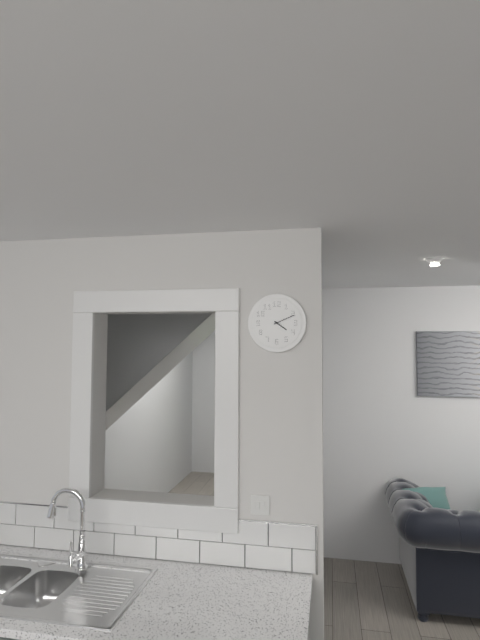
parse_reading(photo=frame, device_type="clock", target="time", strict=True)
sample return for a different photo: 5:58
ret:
4:11
